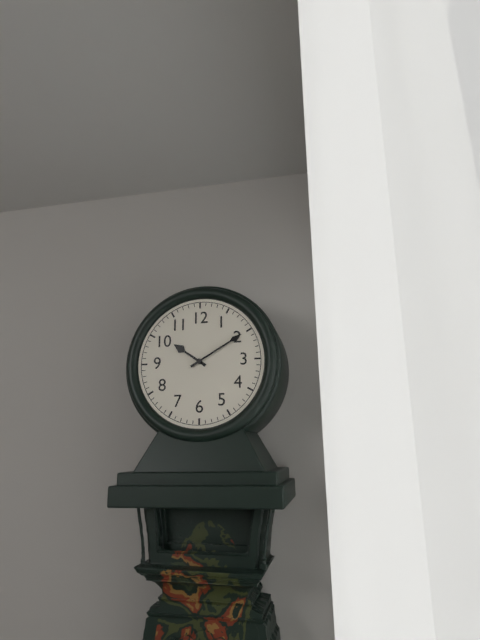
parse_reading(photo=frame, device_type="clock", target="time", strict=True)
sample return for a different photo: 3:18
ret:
10:10
